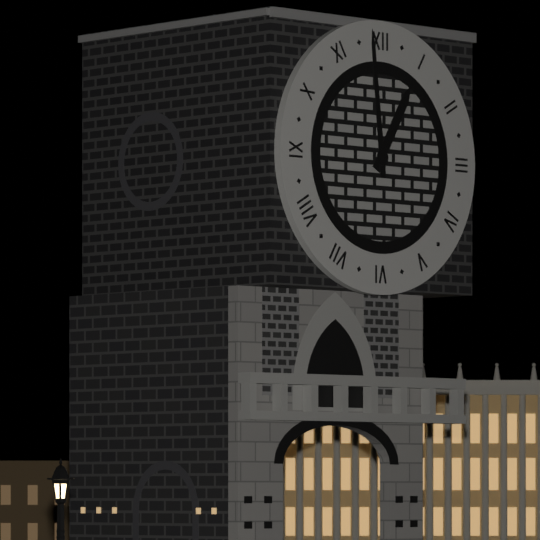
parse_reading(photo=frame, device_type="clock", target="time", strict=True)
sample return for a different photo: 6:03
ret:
12:59
